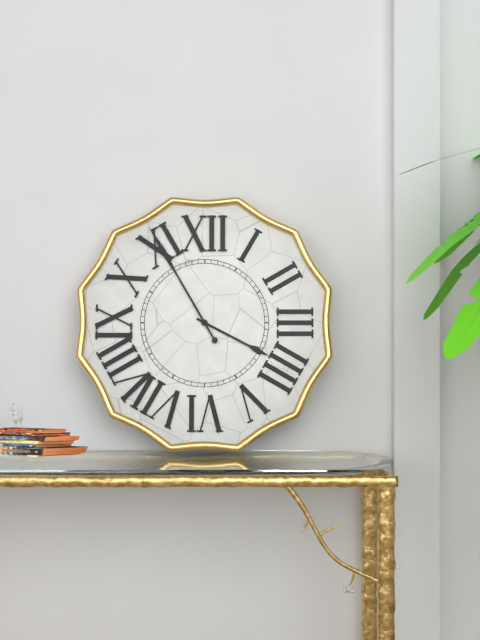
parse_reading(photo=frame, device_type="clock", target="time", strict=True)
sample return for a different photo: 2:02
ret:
3:55
